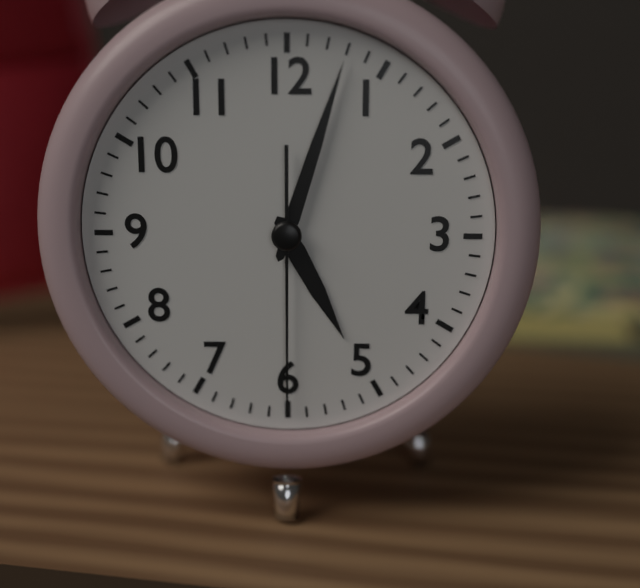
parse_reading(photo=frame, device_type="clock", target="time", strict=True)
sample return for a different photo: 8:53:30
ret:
5:03:30
